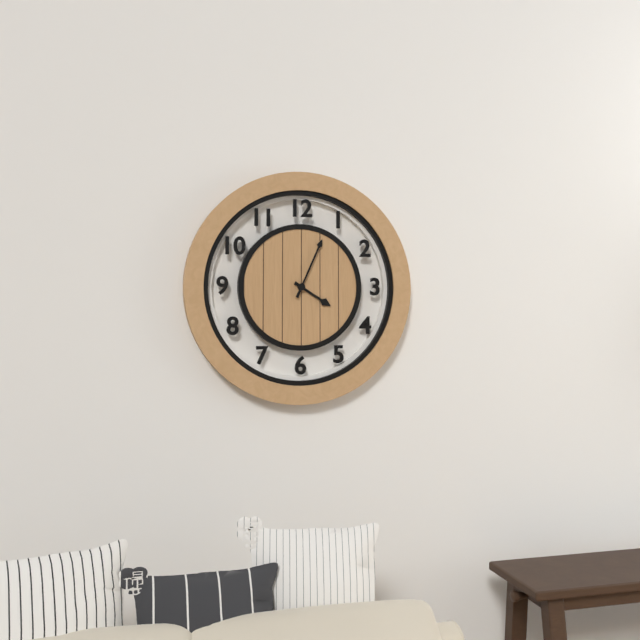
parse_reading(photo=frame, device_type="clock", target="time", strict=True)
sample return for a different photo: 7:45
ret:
4:04
